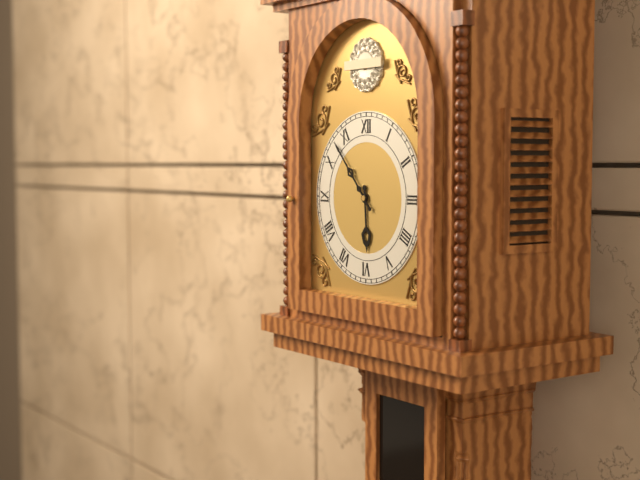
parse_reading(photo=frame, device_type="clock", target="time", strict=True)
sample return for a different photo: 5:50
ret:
5:53
